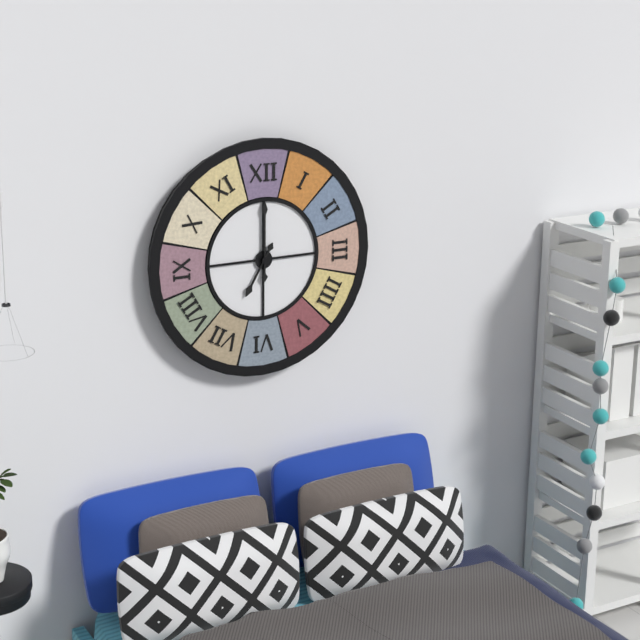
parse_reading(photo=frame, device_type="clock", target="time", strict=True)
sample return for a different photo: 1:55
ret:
7:00
